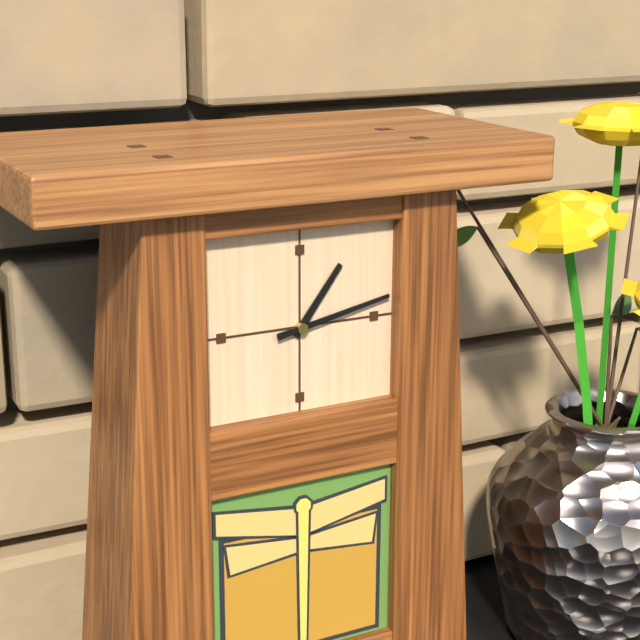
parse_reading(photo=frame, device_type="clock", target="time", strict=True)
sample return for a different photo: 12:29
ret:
1:13
